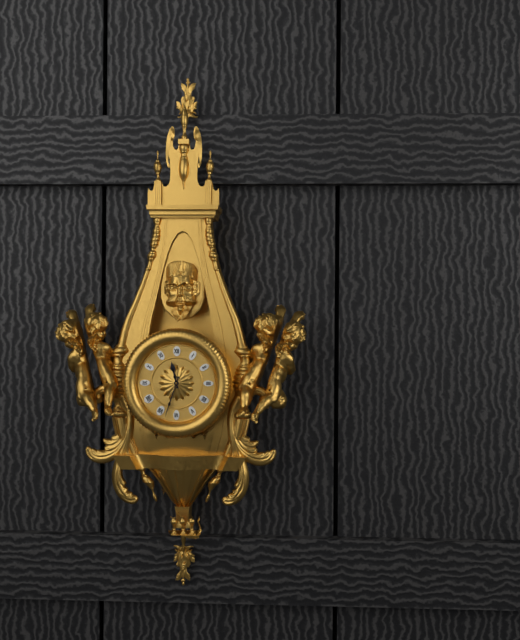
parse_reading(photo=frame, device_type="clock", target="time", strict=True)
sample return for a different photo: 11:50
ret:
11:33
